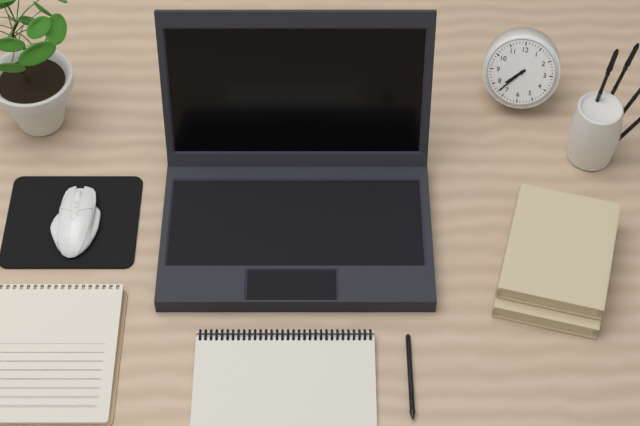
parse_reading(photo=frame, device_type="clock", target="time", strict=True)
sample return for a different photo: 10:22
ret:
7:37
